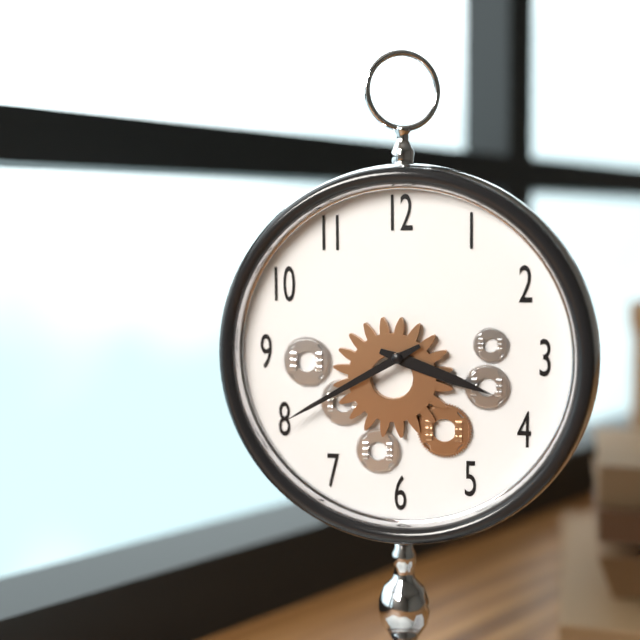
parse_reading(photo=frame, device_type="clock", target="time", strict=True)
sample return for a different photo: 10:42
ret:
3:40
